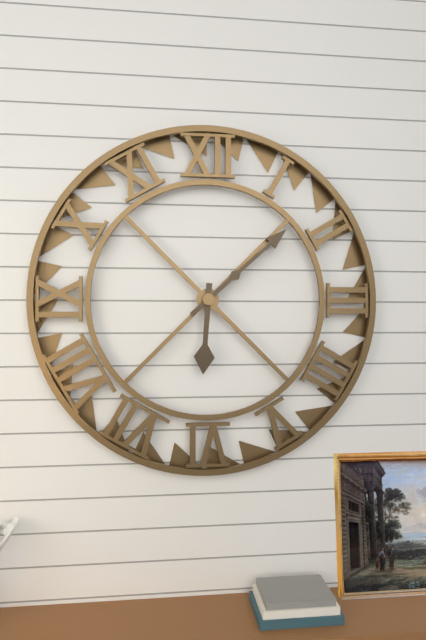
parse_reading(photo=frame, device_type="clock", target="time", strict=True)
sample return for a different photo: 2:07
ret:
6:08
